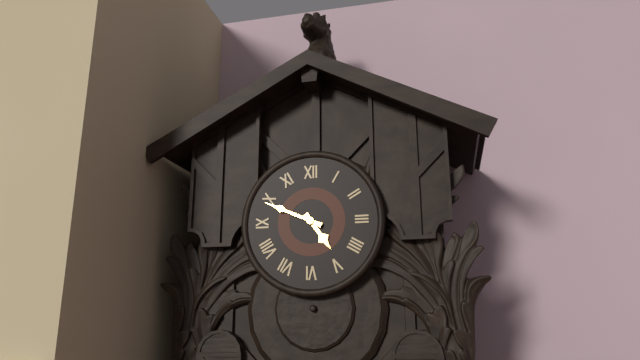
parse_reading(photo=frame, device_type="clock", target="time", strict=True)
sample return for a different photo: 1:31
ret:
4:49
